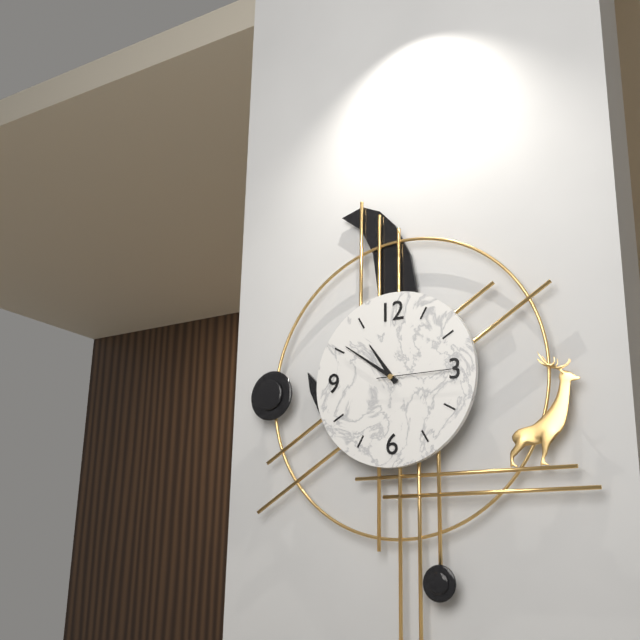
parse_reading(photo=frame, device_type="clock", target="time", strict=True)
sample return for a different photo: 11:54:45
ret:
10:51:15
